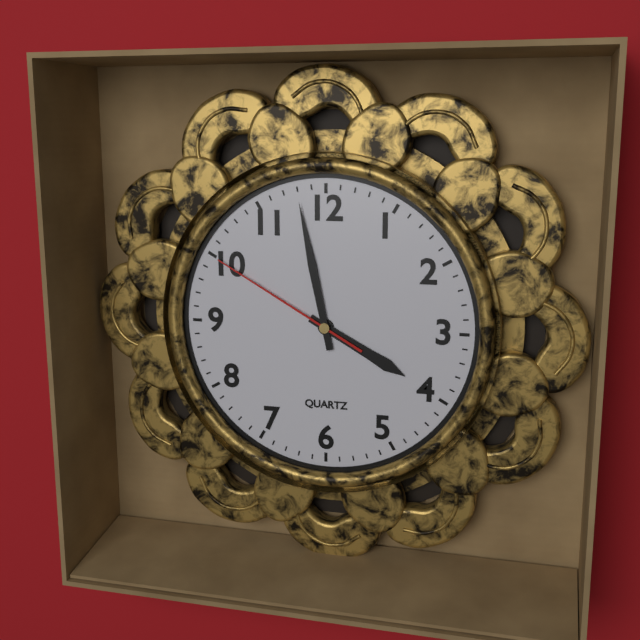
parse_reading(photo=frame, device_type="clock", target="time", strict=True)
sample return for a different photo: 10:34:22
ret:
3:58:50
